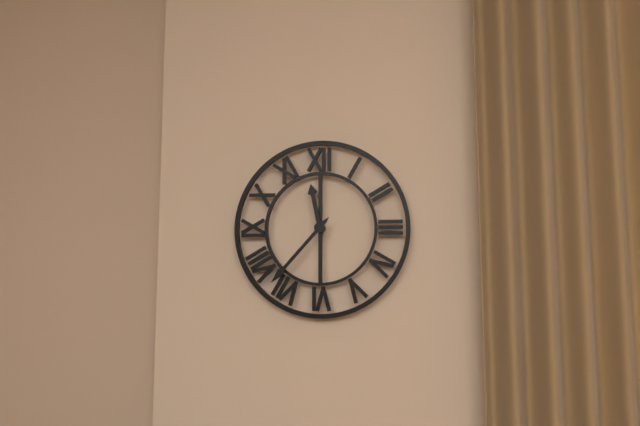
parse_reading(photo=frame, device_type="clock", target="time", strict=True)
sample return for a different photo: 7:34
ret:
11:37
